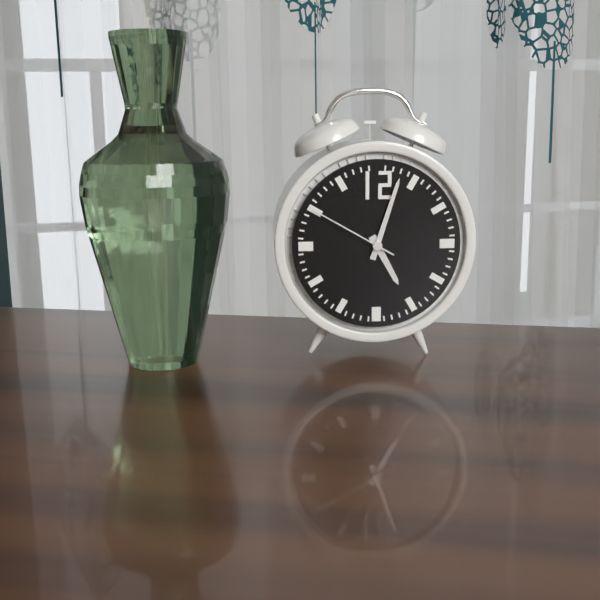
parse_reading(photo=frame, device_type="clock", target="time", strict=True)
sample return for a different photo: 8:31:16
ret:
5:03:50
